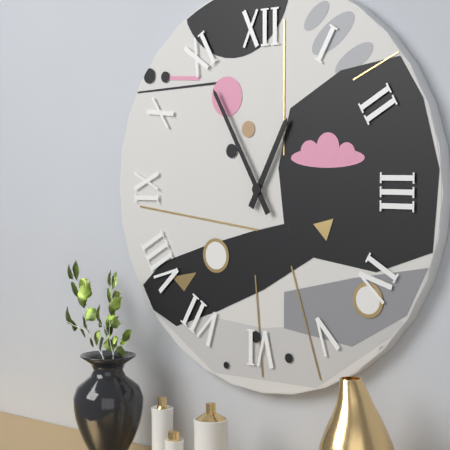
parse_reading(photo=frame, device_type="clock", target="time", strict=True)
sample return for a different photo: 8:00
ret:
12:55
